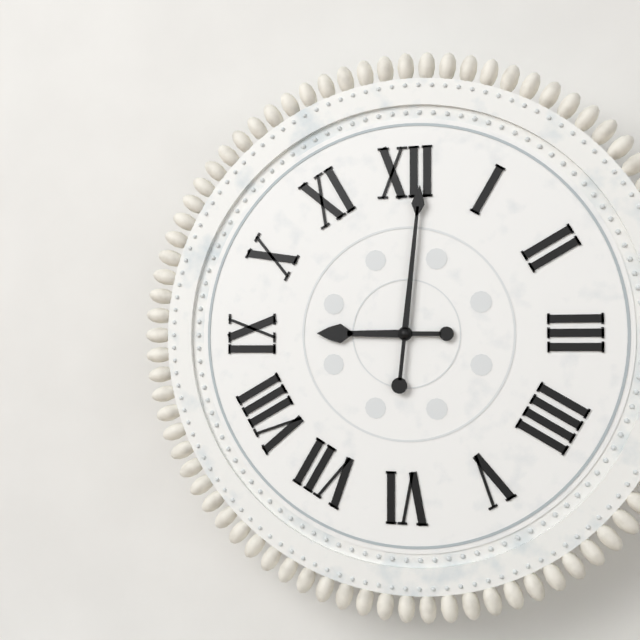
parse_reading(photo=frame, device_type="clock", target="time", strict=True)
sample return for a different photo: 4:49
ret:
9:01
